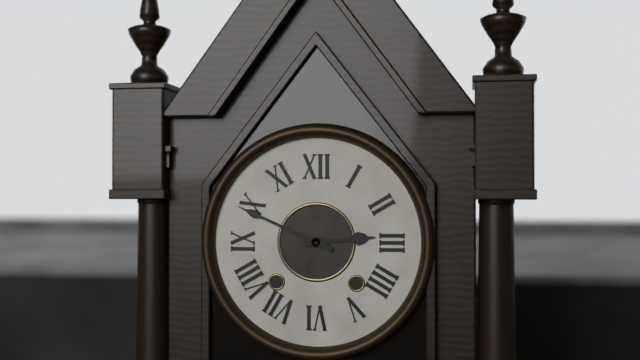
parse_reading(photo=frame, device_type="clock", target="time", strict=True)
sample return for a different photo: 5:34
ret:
2:49
